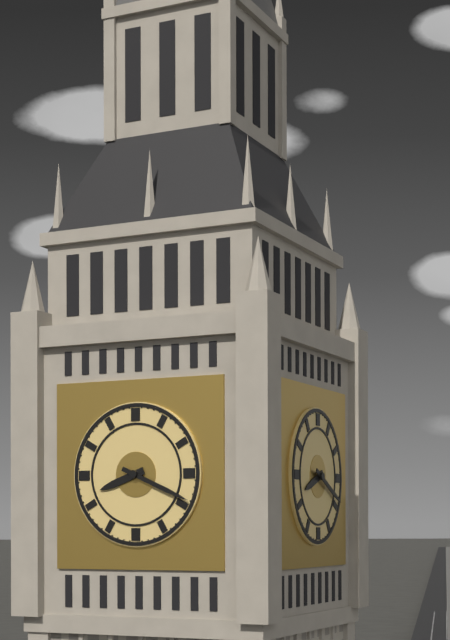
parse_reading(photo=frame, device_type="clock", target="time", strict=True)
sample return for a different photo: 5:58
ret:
8:19
